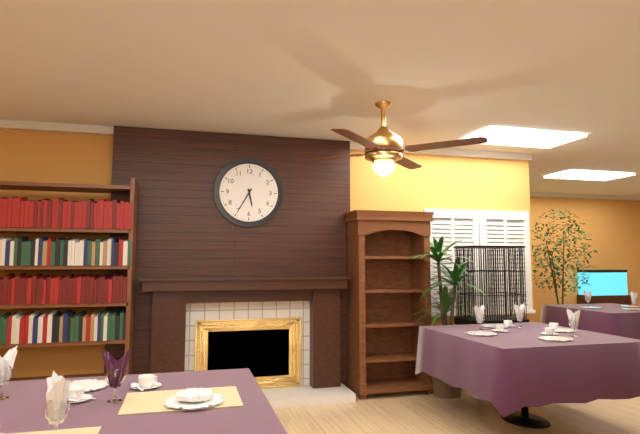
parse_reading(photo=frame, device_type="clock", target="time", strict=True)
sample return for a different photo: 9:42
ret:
5:35
